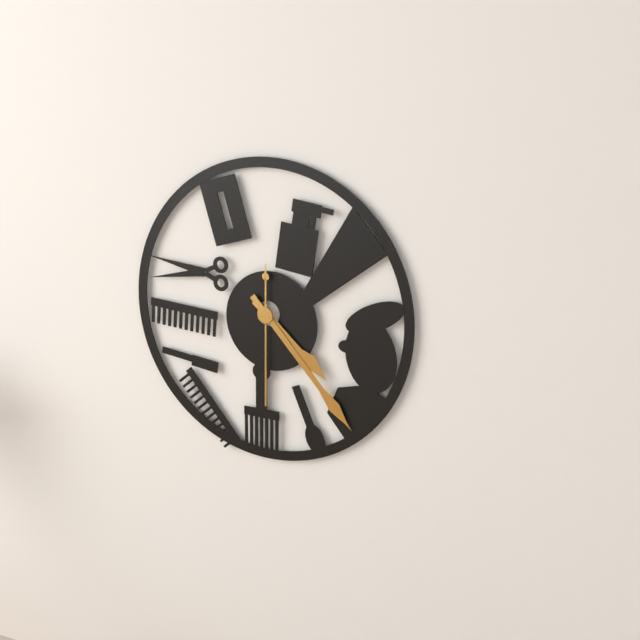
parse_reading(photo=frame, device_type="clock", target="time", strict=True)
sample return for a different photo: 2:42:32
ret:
4:23:30
